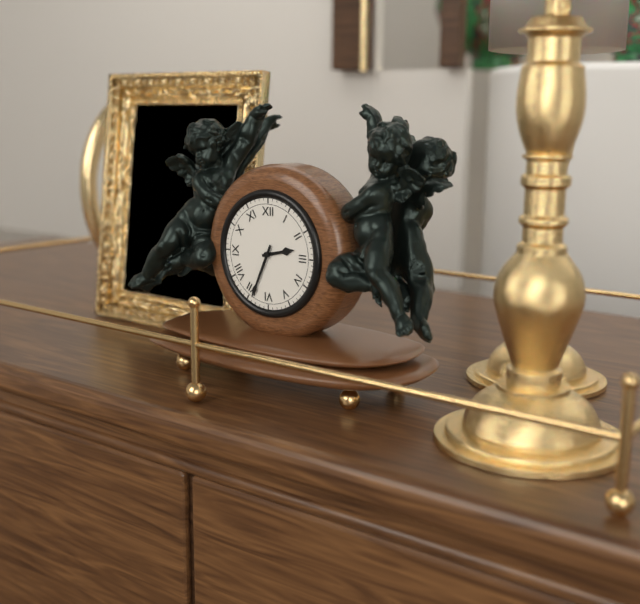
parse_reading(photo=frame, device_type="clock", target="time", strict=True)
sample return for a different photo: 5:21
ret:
2:34
